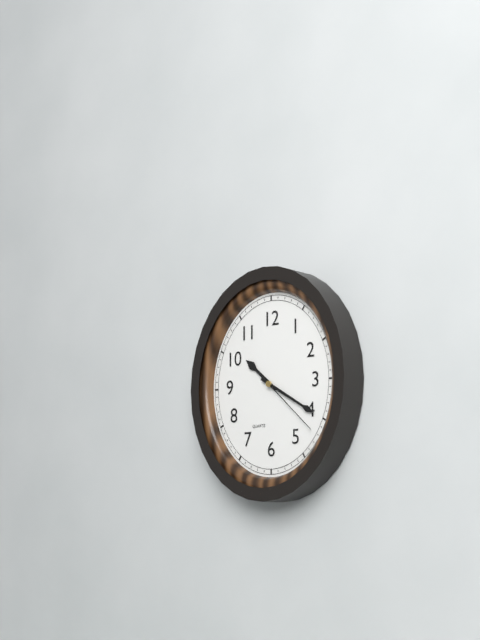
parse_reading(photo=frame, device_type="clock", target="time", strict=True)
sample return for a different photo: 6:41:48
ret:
10:20:22
